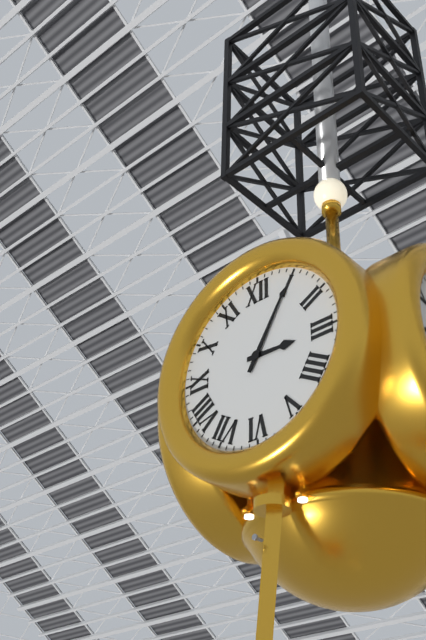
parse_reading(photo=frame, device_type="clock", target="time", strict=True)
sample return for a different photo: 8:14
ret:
3:05
